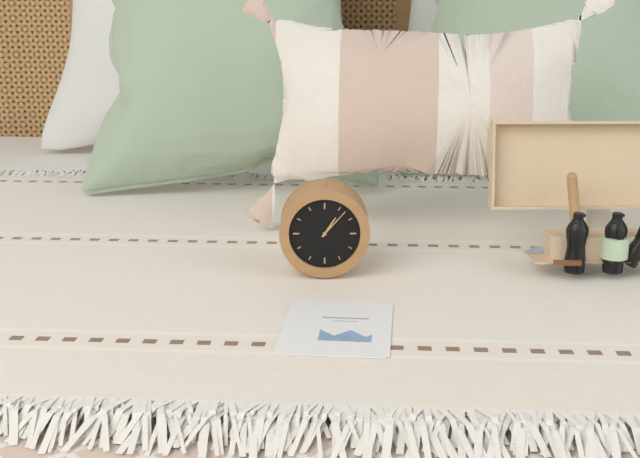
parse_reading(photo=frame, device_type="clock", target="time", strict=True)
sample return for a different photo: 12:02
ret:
1:07
